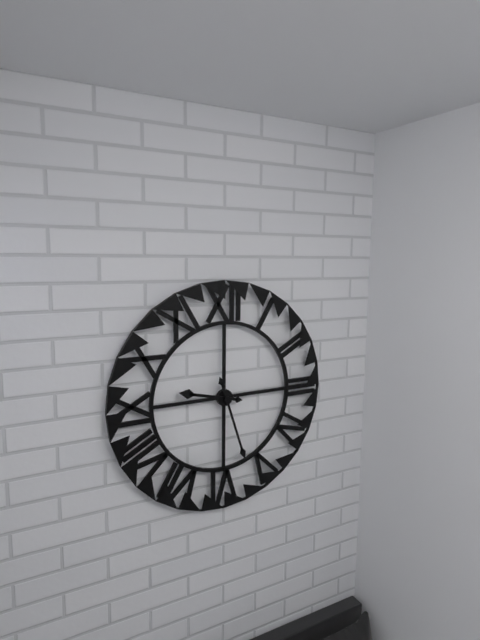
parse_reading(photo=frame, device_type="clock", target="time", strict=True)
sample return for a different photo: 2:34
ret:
9:27
